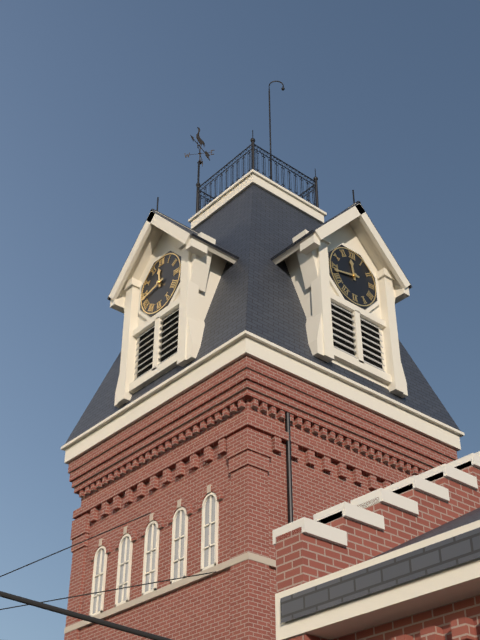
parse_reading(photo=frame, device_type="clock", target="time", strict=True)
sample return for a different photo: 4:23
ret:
11:43
